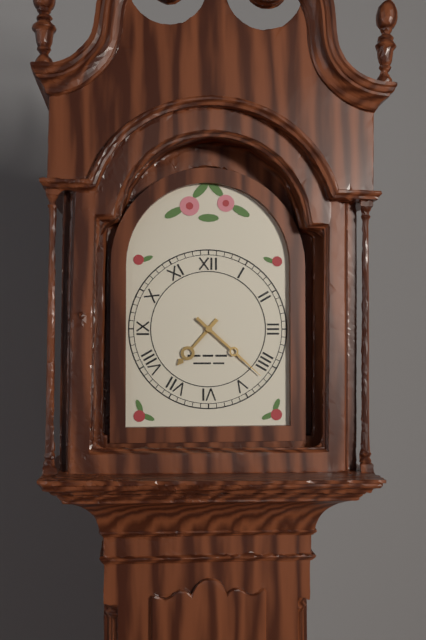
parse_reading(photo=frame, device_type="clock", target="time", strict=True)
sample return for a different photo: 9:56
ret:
7:22
